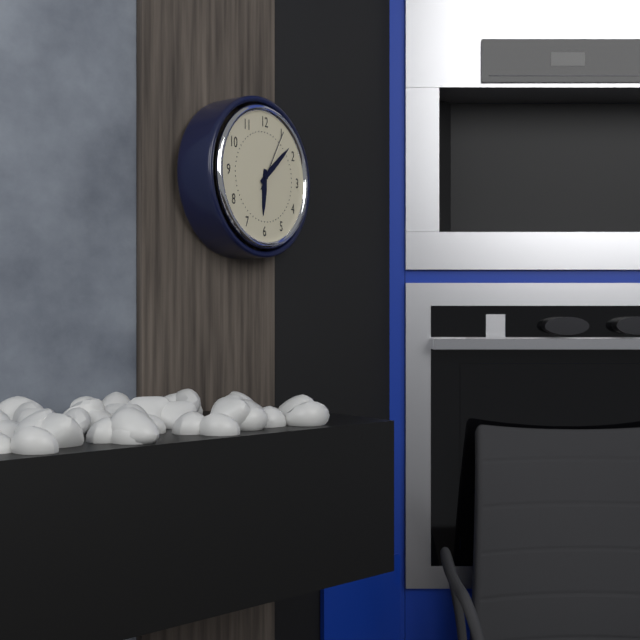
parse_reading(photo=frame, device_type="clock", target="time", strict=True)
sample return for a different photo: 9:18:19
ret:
6:08:05
